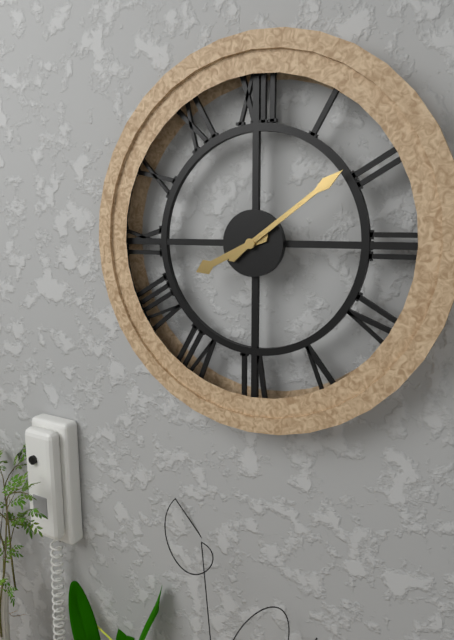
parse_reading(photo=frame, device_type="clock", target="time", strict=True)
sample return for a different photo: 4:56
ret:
8:09
